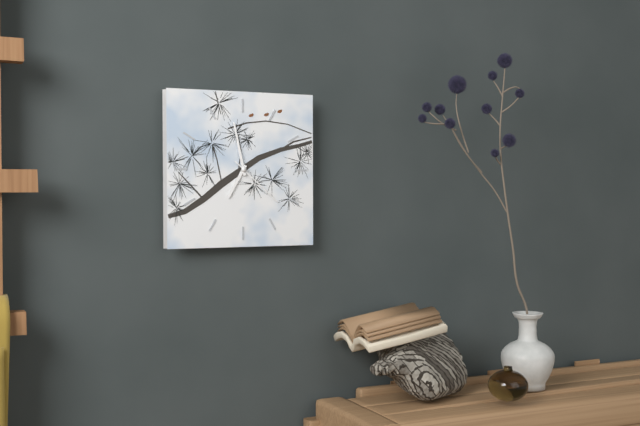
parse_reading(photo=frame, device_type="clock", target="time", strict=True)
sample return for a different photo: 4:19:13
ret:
6:58:22
